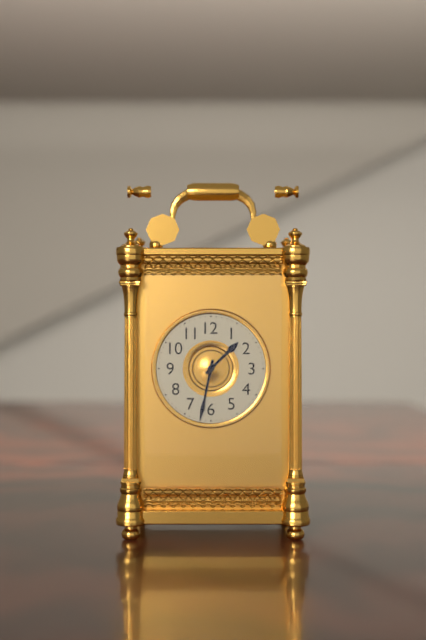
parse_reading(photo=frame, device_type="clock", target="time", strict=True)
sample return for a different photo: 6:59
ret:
1:32
